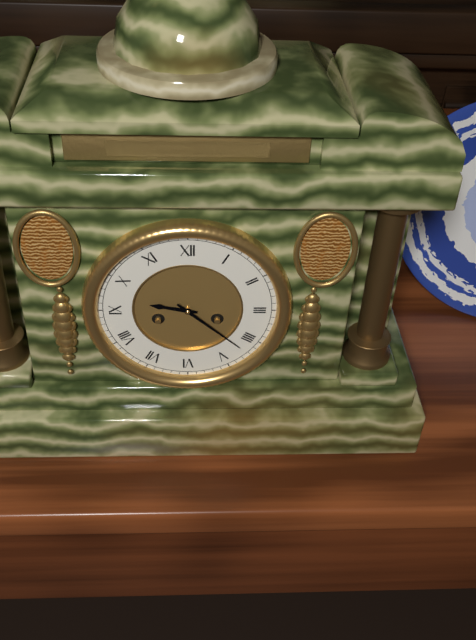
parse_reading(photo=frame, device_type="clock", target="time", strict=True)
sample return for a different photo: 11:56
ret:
9:22
